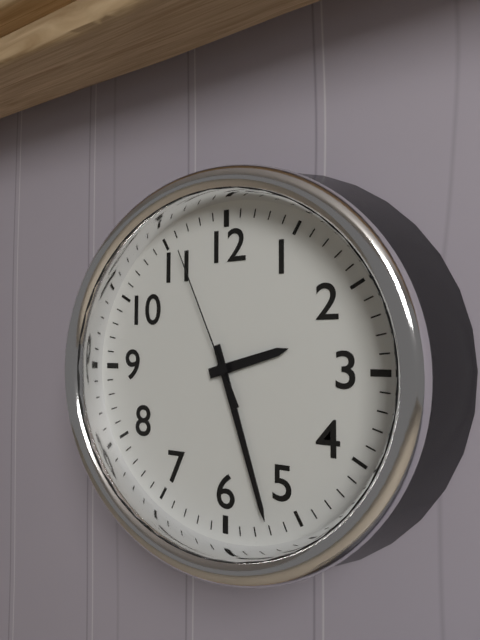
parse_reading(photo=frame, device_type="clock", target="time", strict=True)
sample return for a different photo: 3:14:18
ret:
2:27:56
